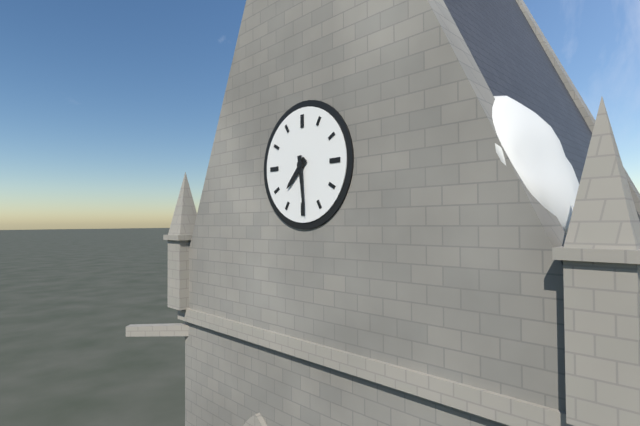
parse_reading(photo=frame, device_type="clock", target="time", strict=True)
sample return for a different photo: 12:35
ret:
7:29
